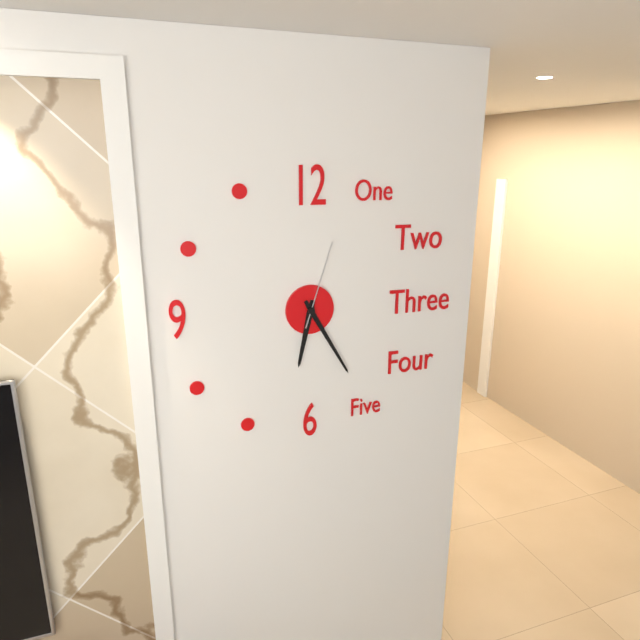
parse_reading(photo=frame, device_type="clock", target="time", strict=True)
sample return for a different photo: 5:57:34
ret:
6:25:03
